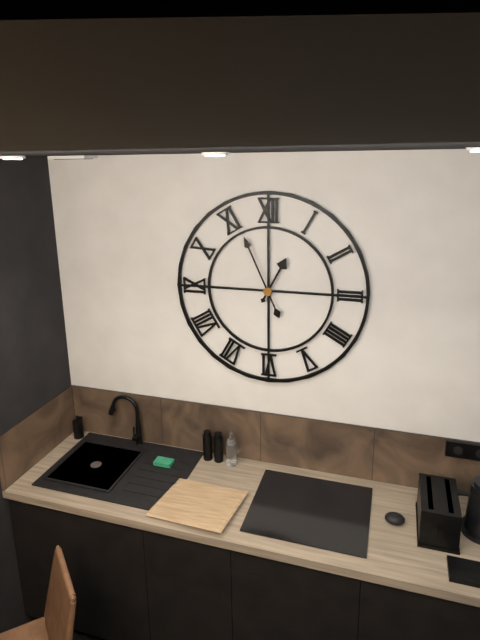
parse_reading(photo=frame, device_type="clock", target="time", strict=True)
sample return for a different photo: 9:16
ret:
12:56
